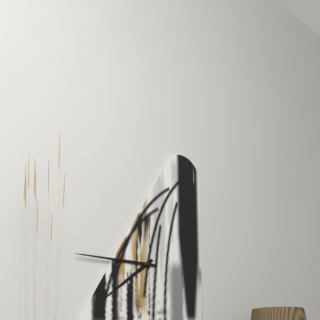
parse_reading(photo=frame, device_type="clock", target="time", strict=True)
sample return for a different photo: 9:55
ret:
7:45
